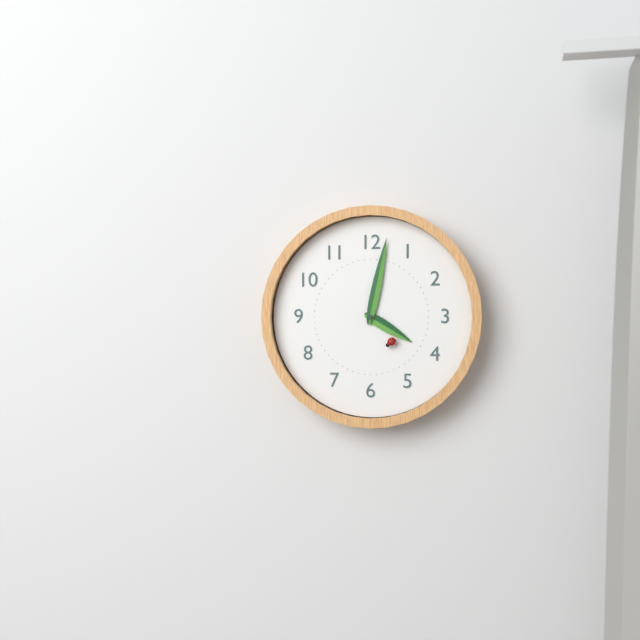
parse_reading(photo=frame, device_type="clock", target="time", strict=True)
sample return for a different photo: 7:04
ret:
4:02
